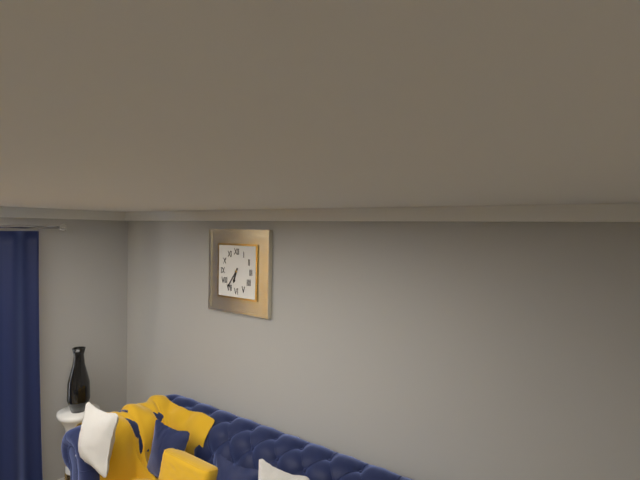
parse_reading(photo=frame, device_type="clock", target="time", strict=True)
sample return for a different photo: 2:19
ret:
6:36
